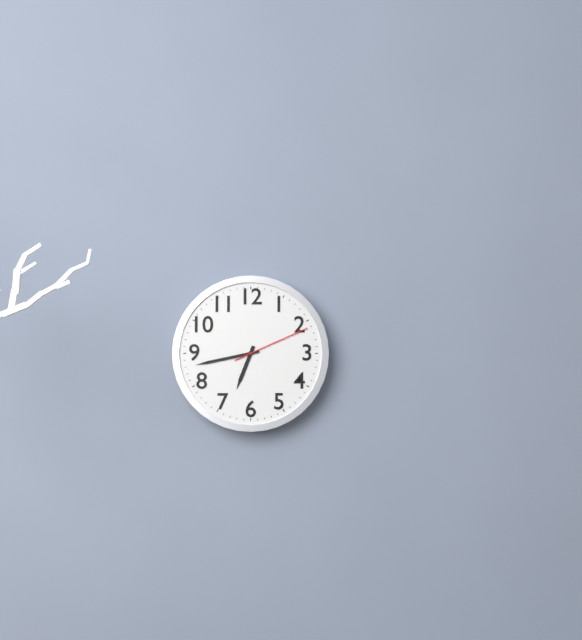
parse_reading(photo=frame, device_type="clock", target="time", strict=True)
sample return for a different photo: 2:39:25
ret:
6:43:11
